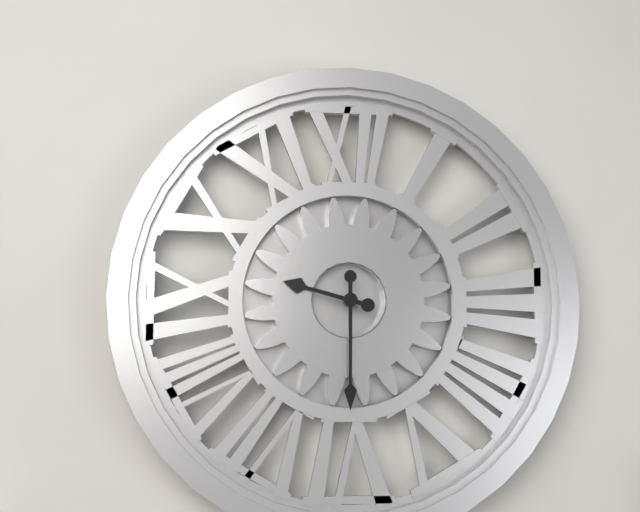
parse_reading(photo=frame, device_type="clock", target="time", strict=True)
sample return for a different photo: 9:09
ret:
9:30
